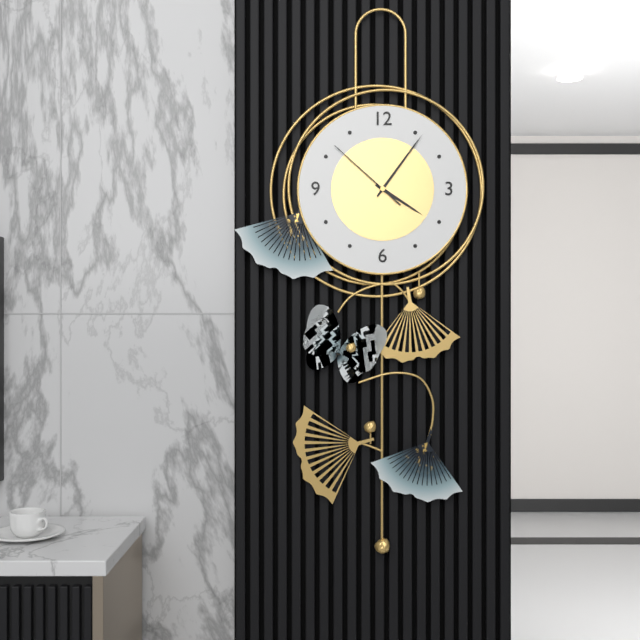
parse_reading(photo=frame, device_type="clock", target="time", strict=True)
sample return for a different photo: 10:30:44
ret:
4:06:52
